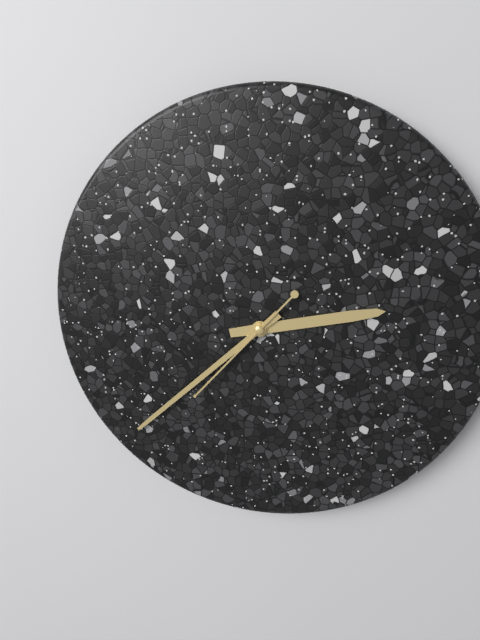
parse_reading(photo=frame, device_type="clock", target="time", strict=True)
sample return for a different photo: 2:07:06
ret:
2:38:37
